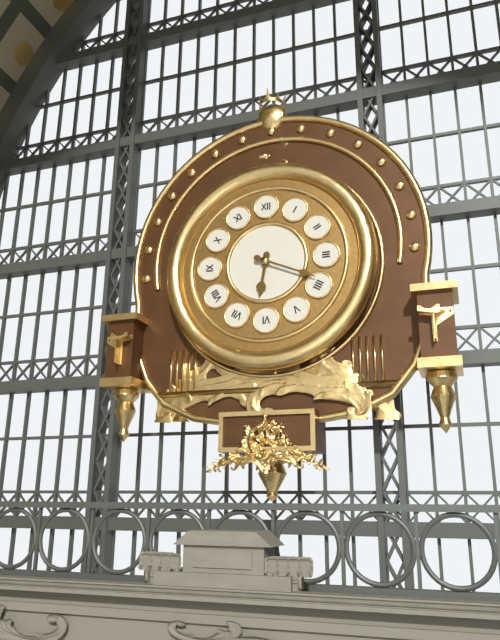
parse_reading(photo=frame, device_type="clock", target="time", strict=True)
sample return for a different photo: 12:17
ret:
6:19
